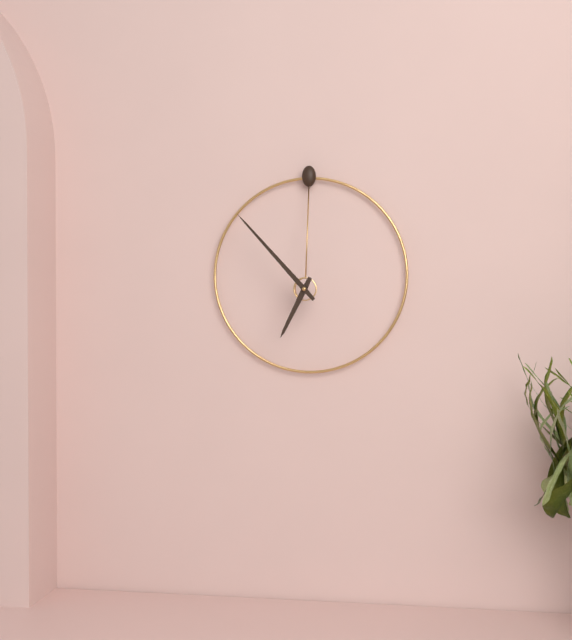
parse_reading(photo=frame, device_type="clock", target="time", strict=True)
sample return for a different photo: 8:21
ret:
6:53
